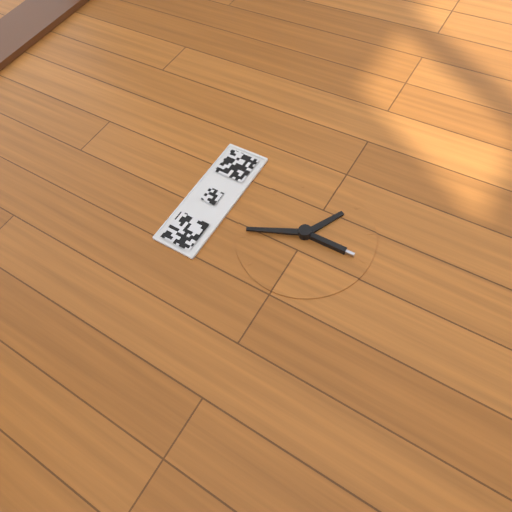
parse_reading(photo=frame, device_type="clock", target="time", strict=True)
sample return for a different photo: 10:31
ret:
3:56
